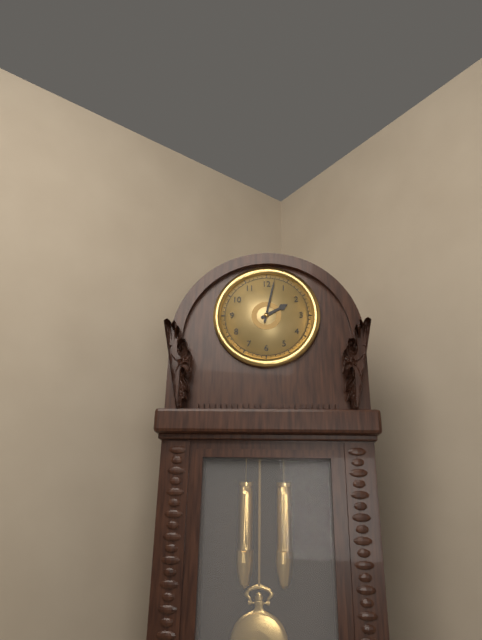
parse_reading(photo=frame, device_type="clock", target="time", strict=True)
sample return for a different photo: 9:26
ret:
2:02
